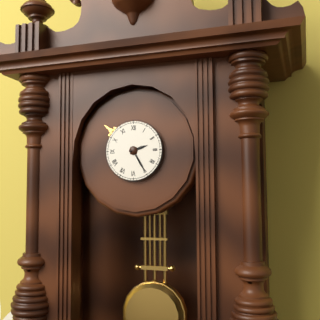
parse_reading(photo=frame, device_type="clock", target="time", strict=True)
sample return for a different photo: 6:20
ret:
2:25
